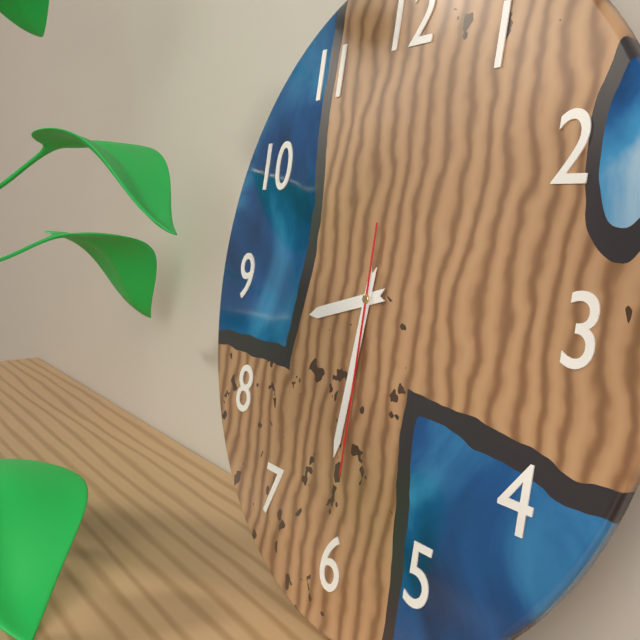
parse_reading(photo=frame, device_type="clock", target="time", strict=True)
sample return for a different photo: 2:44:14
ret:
8:31:30
